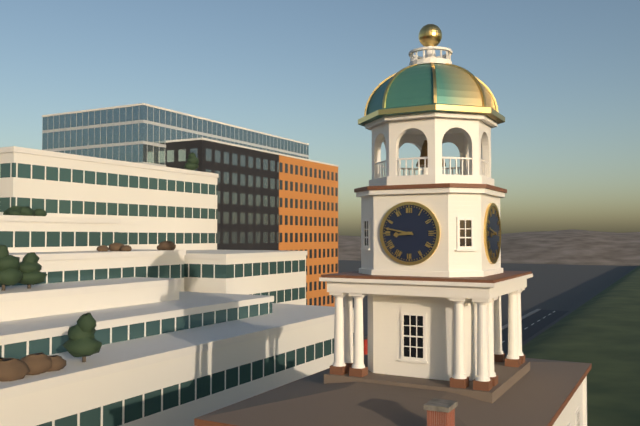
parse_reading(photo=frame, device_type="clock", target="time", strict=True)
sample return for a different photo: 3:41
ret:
8:47
